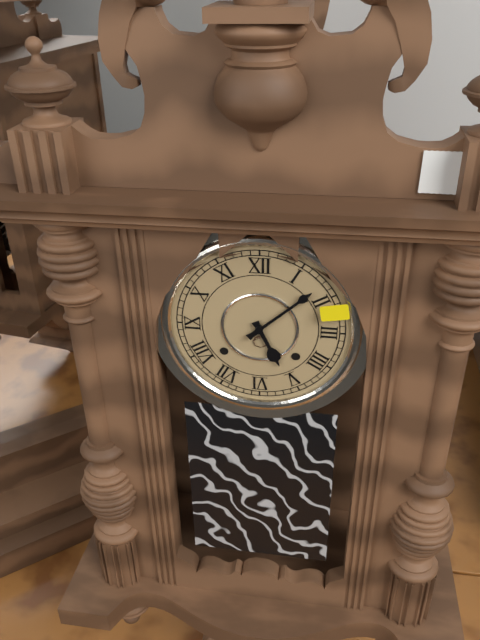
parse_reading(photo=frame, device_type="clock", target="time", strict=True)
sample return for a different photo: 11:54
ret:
5:08
